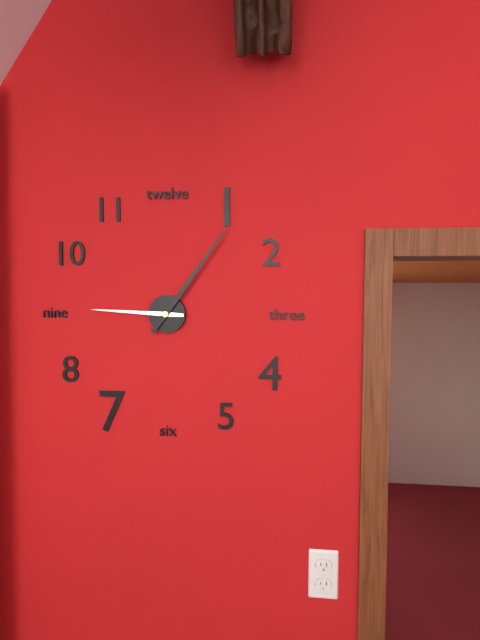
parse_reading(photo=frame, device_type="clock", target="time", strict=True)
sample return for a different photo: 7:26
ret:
9:06
